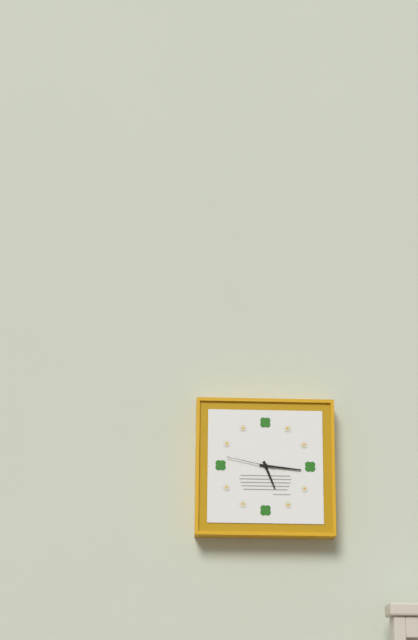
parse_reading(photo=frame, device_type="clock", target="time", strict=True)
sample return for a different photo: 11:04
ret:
5:16
